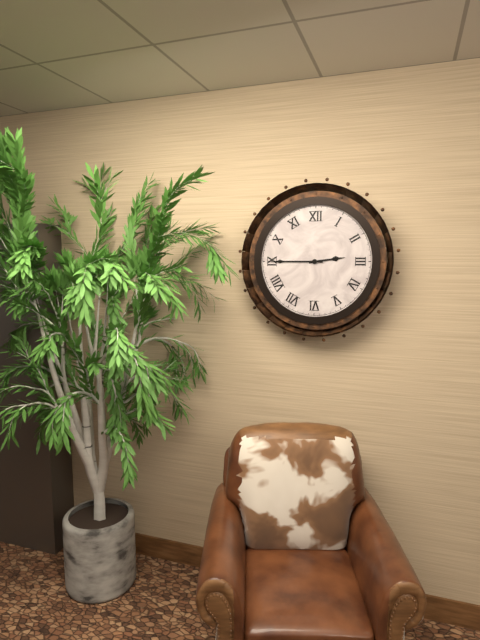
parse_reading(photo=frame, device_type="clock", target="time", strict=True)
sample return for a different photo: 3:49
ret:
2:45
